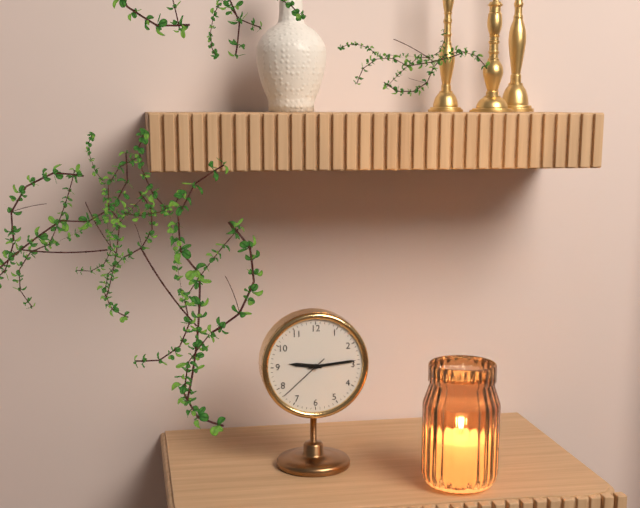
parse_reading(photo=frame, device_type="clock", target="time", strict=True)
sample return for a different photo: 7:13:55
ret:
9:14:38
